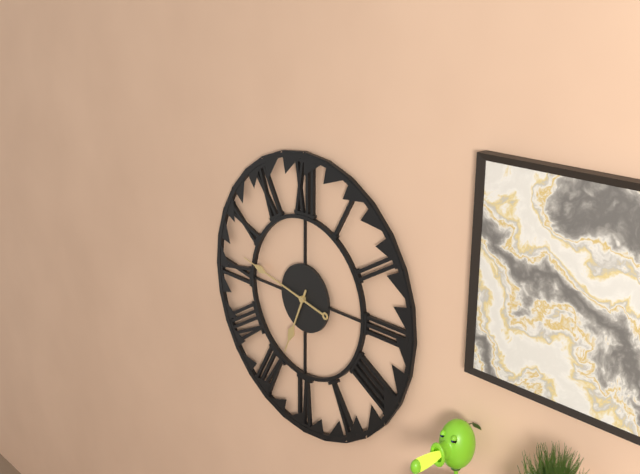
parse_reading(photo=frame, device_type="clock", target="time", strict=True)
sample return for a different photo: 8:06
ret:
6:47
